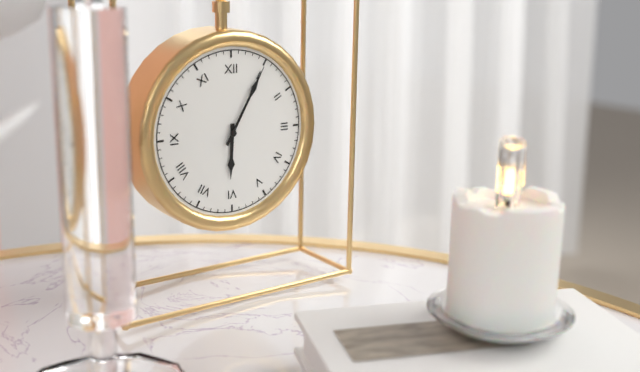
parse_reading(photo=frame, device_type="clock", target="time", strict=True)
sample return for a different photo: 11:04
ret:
6:05
